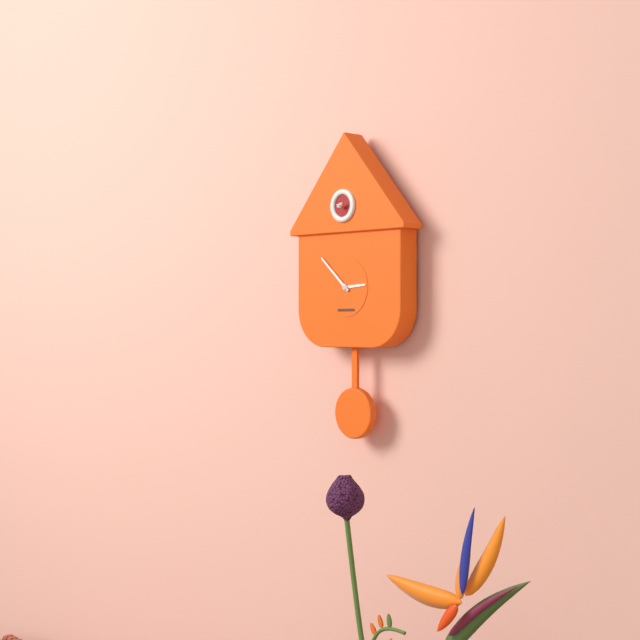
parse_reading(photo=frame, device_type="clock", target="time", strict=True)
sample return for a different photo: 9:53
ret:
2:52
